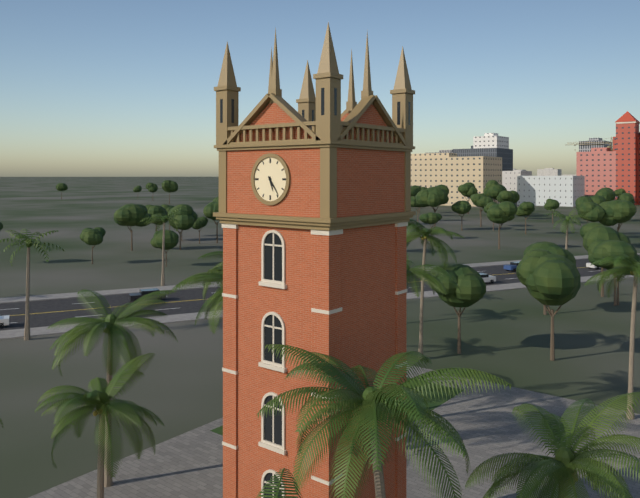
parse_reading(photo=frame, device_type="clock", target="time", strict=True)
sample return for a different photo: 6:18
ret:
5:24
